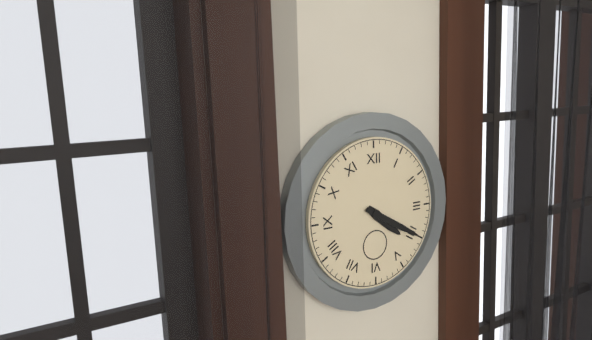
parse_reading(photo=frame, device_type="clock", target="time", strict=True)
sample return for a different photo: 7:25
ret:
4:20
